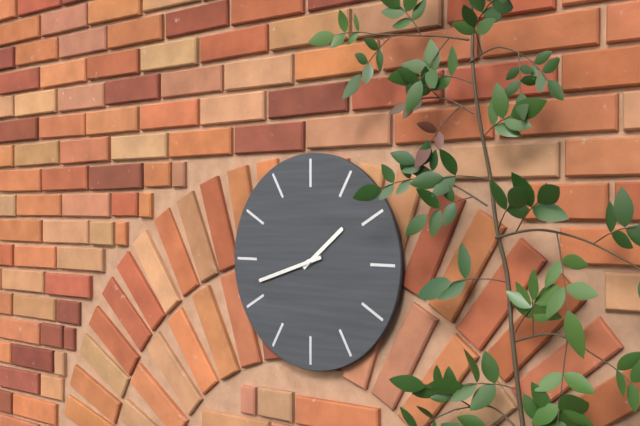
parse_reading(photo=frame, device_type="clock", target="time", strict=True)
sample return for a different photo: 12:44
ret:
1:42
